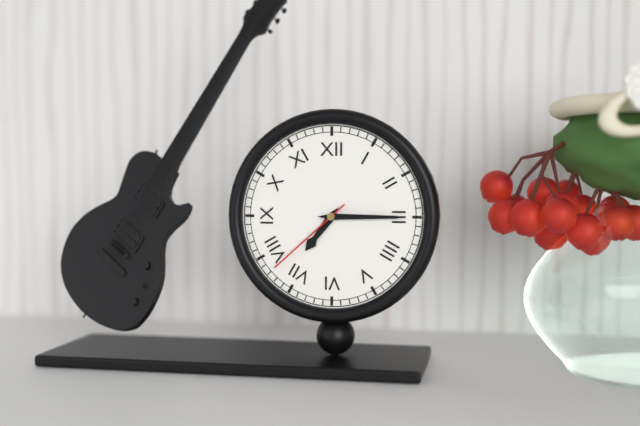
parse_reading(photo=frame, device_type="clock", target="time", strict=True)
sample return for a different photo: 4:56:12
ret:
7:15:38
